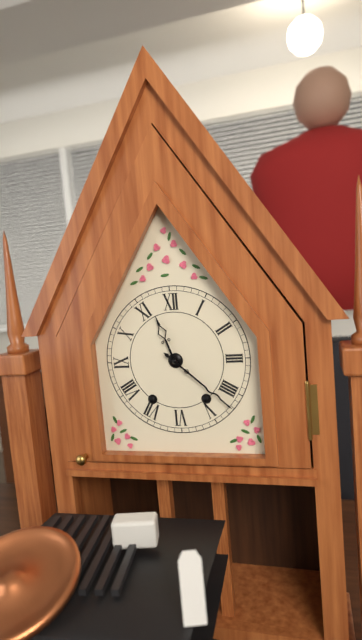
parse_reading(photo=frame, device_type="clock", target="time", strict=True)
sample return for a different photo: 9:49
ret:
11:22
